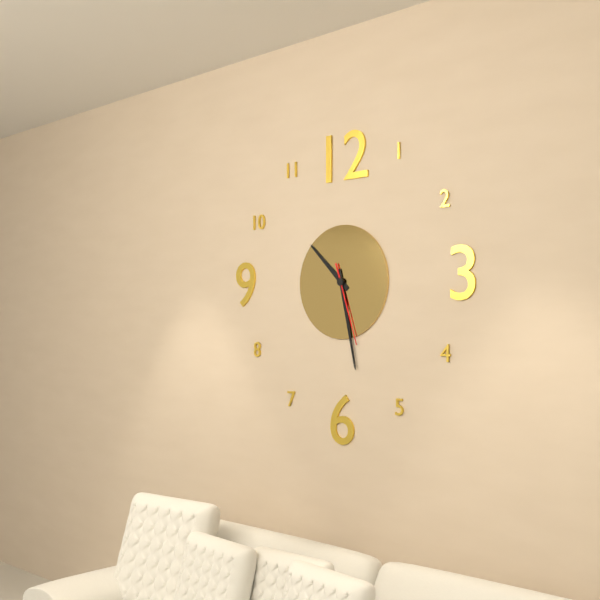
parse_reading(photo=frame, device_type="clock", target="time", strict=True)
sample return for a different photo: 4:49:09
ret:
10:28:27
